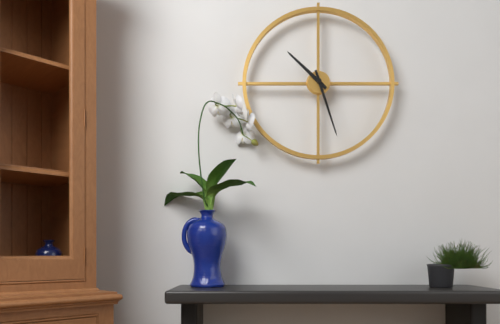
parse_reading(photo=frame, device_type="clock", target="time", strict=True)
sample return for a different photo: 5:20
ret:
10:27
